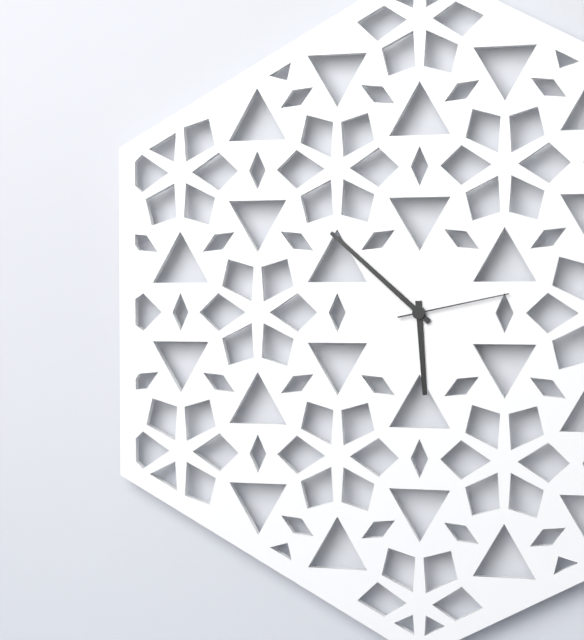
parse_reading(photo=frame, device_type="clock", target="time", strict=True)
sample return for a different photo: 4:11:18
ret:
5:52:13
